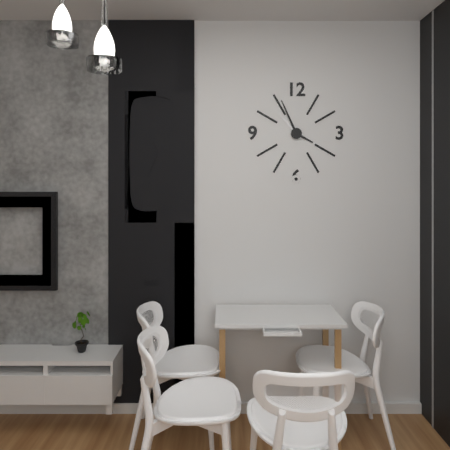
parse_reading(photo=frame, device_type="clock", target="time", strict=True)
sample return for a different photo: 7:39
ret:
3:56
